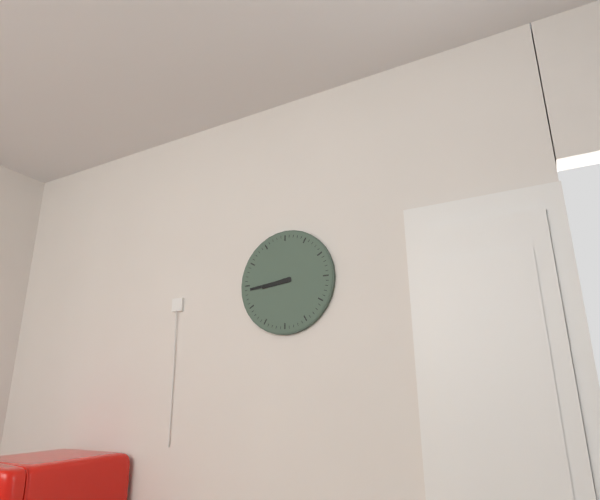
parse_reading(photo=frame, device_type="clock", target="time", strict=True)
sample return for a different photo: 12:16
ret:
8:44
